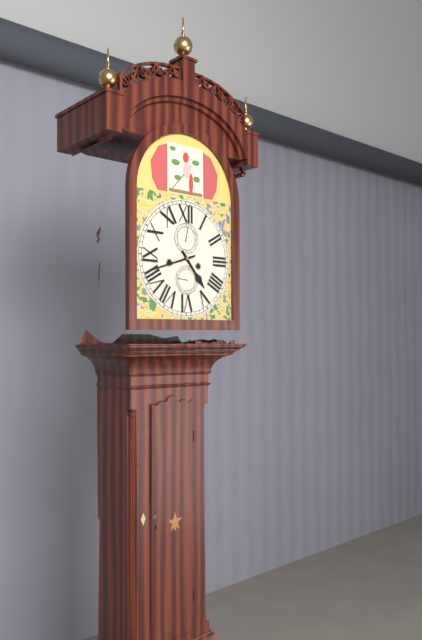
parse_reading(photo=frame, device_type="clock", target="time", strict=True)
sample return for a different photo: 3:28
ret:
4:42
